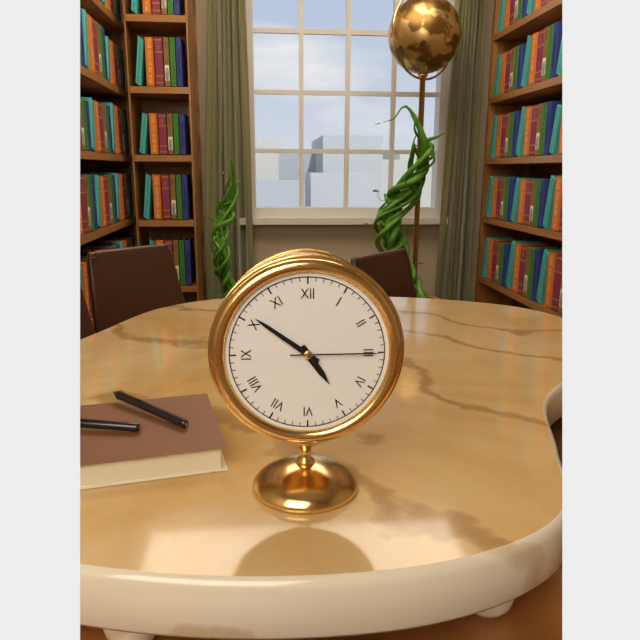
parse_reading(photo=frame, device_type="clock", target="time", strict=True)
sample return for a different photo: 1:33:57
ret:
4:51:15
